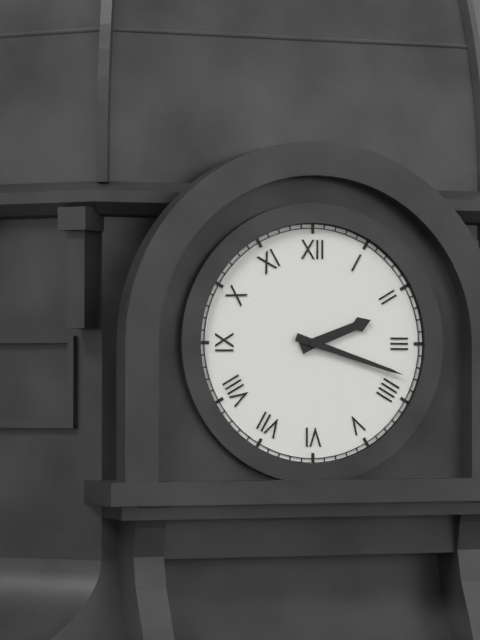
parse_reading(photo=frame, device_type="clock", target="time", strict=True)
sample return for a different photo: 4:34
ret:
2:18
